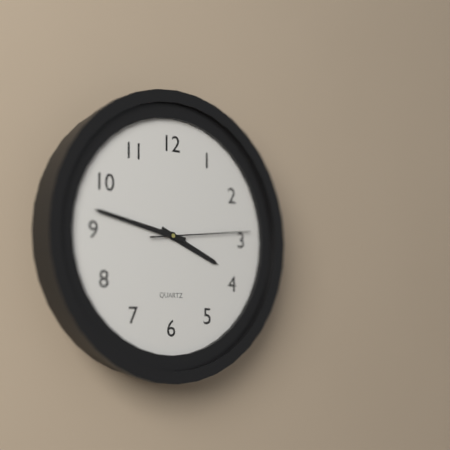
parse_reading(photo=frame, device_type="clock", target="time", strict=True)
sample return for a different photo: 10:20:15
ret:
3:47:14
